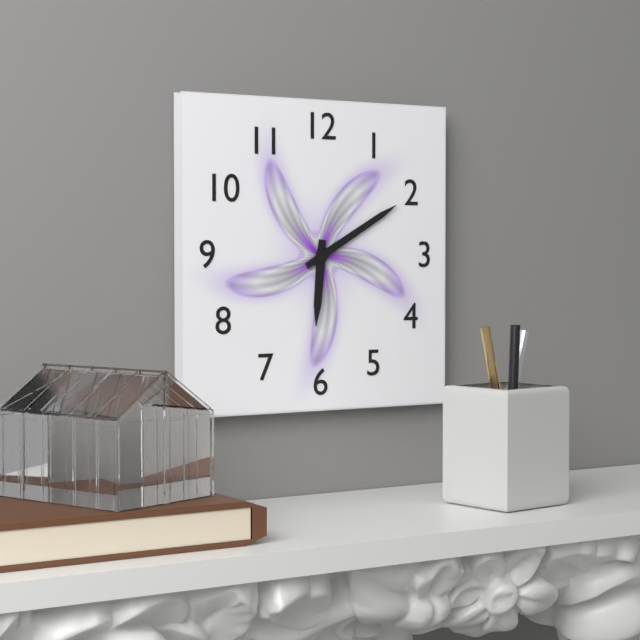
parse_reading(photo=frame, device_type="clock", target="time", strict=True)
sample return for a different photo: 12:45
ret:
6:10
